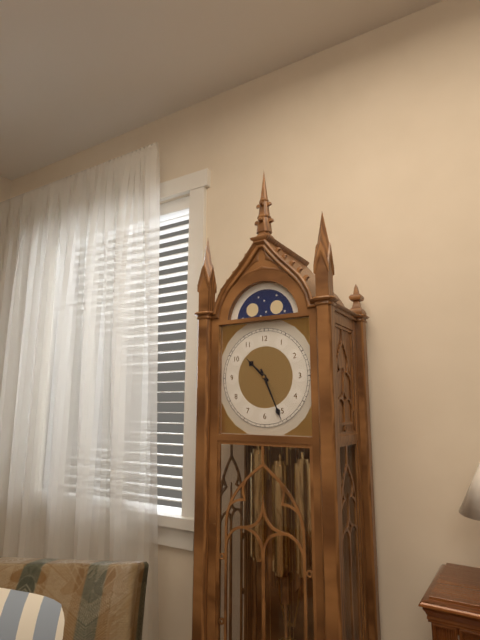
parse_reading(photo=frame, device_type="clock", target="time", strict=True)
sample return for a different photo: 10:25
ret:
10:26
